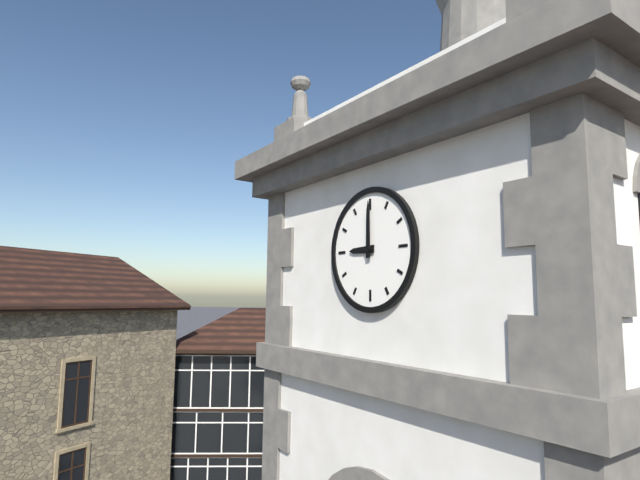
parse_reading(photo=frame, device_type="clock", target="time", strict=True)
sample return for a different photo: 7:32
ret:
9:00
